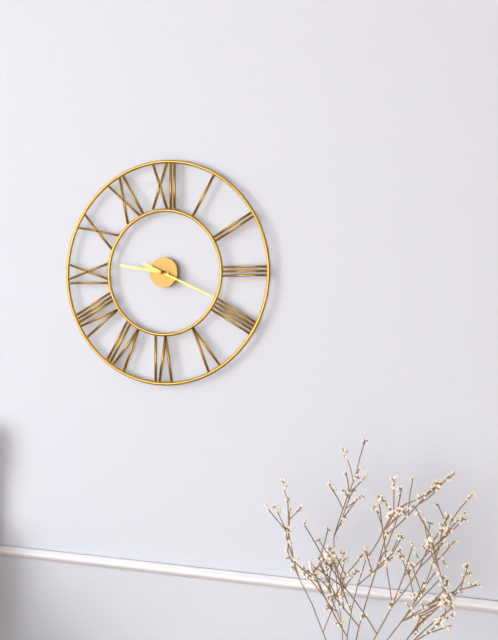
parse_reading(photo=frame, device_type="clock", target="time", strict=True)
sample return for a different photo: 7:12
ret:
9:19
